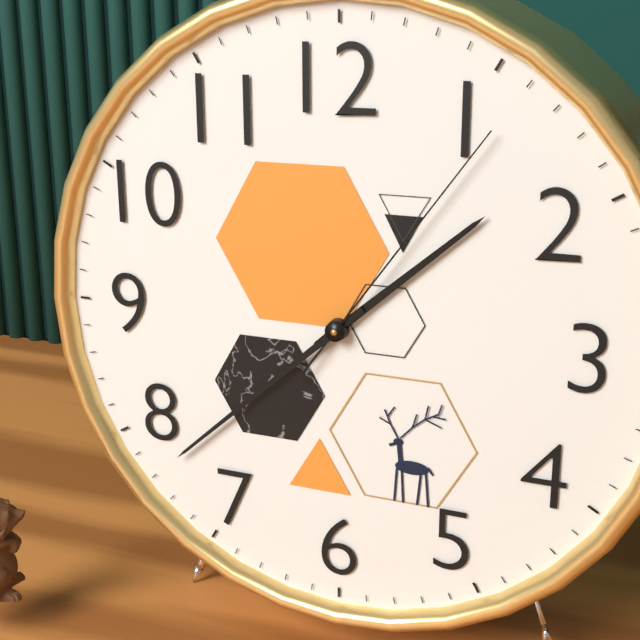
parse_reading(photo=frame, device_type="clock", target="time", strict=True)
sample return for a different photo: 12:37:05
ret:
1:38:06
